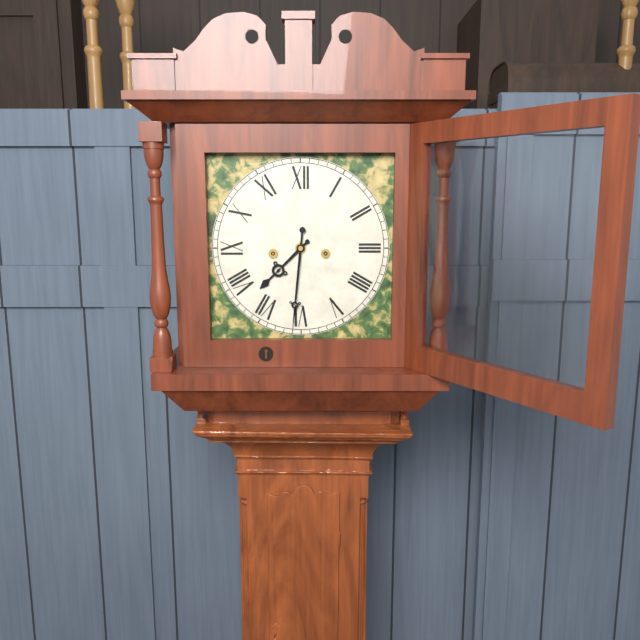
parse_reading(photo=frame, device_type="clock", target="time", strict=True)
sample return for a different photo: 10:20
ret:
7:31
